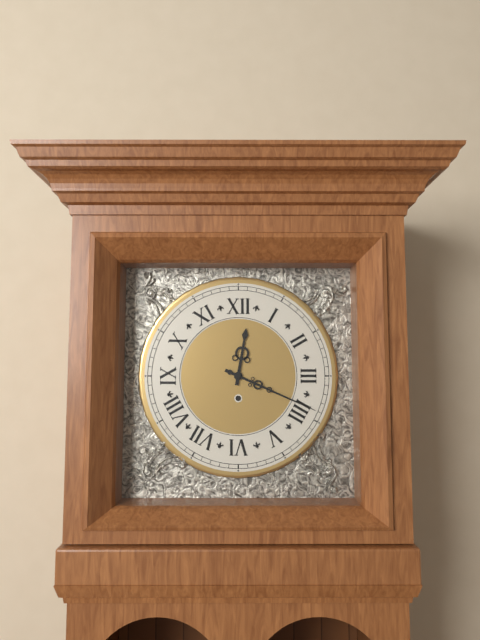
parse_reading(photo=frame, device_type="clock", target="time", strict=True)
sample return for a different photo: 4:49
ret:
12:19
